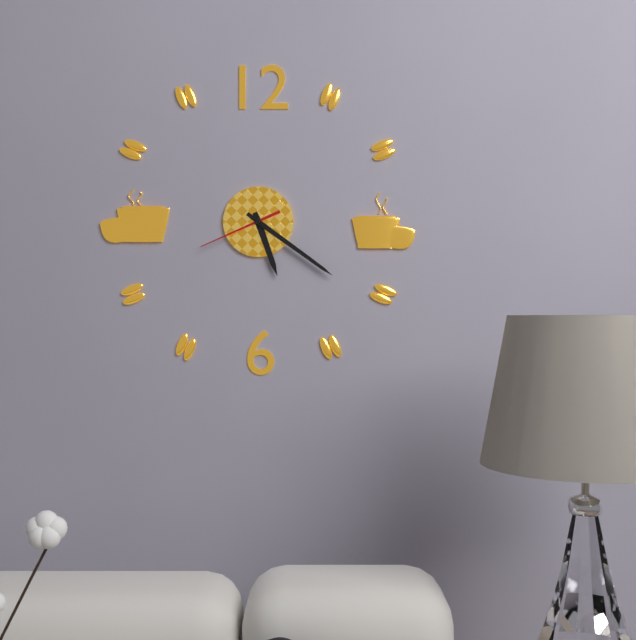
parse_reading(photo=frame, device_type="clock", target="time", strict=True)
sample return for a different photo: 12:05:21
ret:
5:21:41
